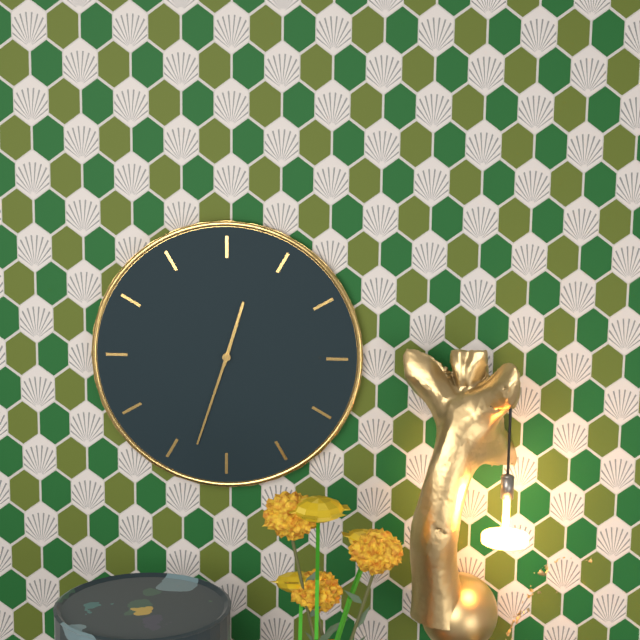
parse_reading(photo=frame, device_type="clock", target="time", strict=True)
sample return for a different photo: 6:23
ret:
12:33
